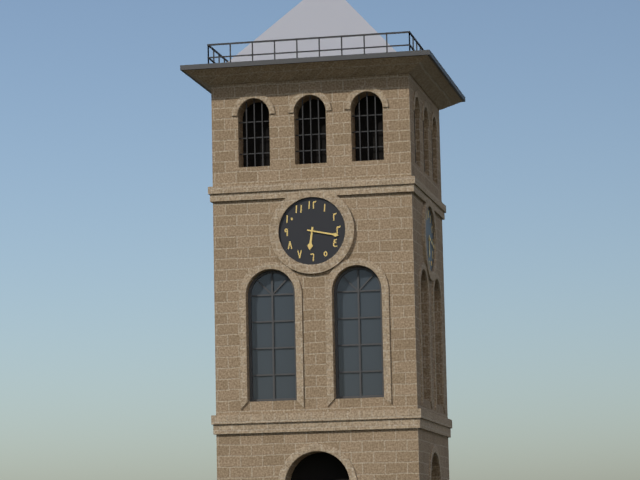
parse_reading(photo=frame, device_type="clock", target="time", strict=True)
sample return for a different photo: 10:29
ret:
6:17
